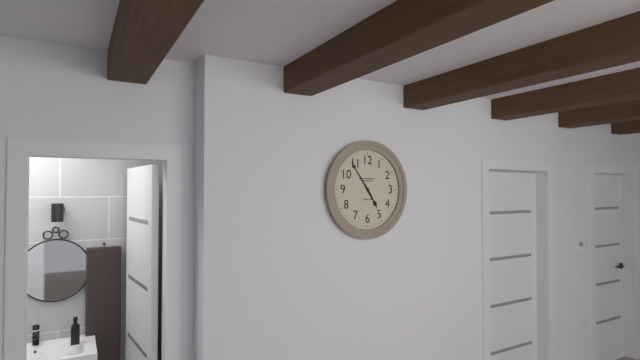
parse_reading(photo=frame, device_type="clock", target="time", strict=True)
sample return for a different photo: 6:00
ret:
4:54
